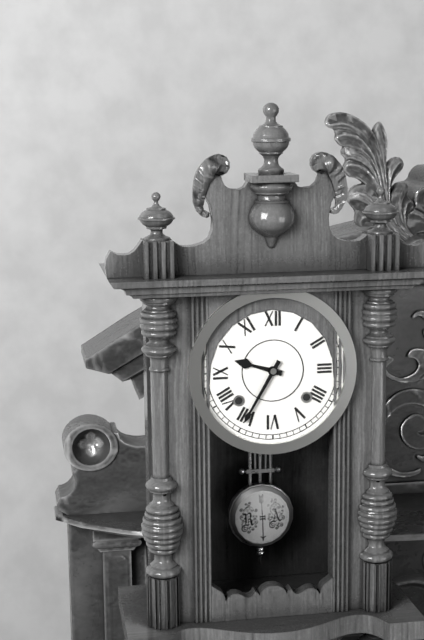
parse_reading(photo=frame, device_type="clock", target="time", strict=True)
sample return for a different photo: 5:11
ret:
9:35
